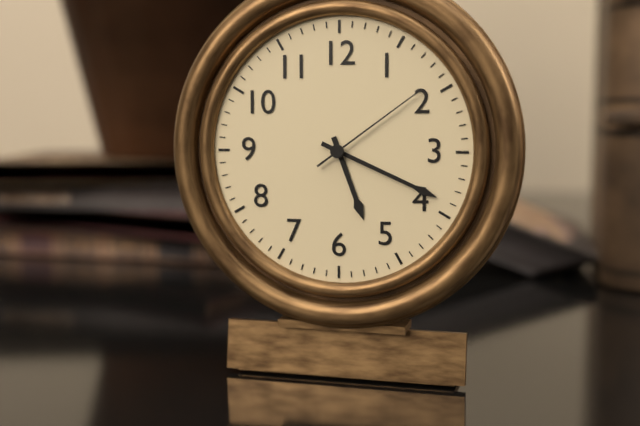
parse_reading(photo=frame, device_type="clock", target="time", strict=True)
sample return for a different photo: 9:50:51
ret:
5:19:09
